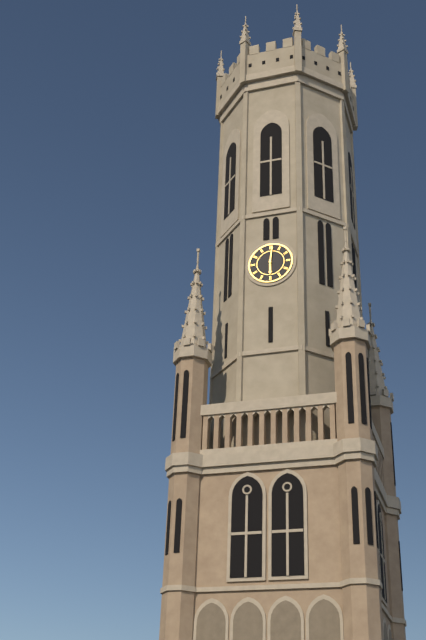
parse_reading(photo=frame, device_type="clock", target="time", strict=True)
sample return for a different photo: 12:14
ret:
6:01
